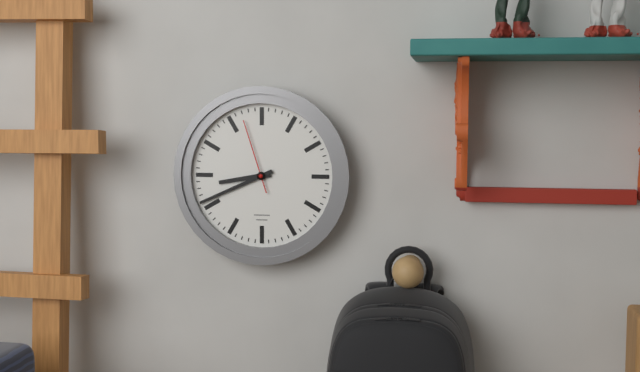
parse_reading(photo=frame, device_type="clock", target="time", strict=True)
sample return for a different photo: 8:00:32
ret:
8:41:57
